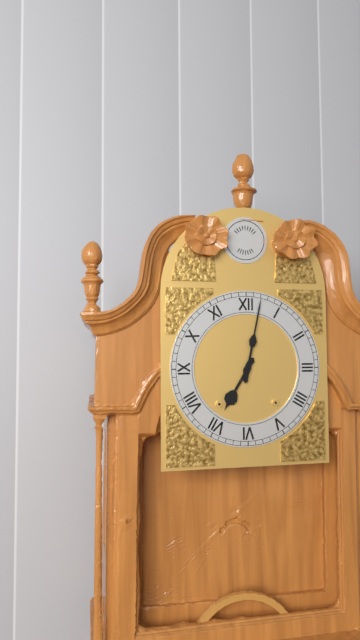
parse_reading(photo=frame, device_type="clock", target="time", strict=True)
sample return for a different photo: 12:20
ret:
7:02
